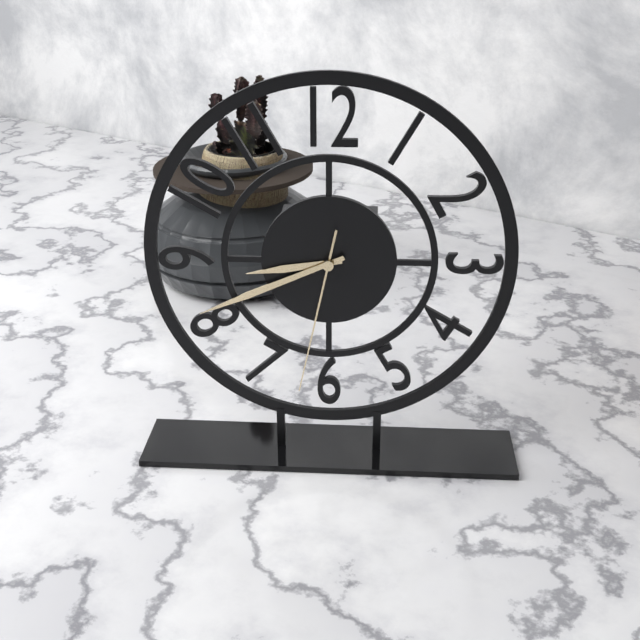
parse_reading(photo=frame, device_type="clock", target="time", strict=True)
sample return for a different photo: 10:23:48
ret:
8:41:32
